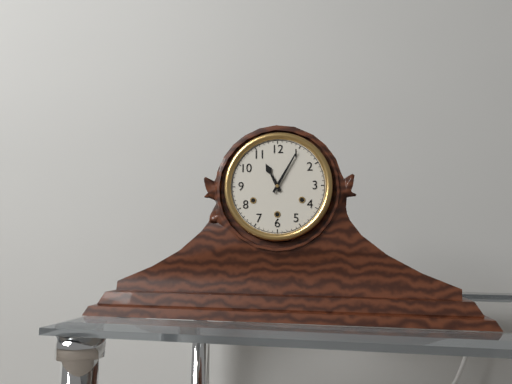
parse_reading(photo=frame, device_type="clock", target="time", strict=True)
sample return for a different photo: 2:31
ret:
11:05
